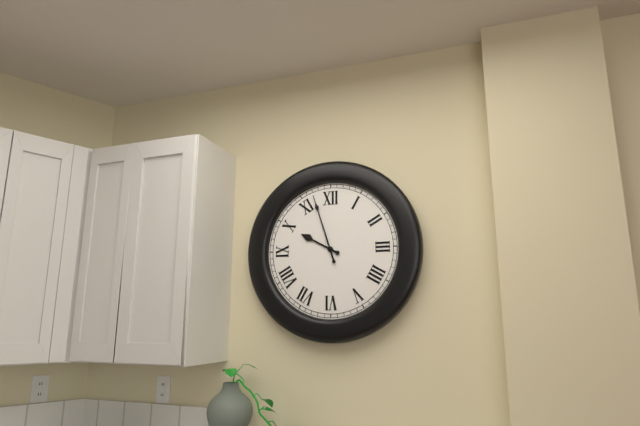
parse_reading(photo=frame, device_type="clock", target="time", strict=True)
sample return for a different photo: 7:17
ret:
9:57
